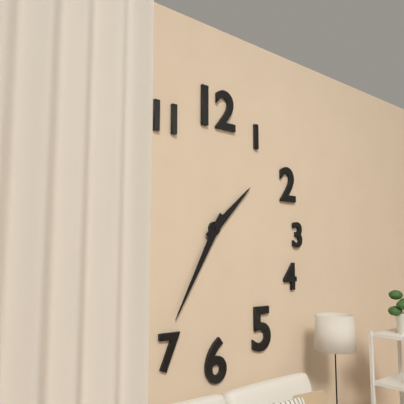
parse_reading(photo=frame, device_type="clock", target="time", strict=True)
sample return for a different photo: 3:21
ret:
1:35
